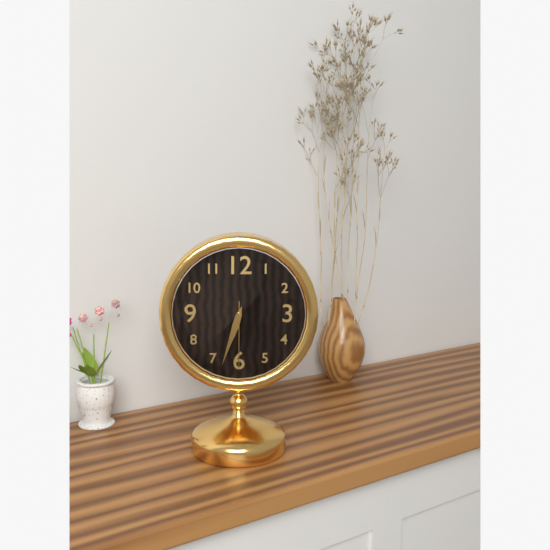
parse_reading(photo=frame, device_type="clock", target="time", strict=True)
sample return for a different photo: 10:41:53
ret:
6:33:30
